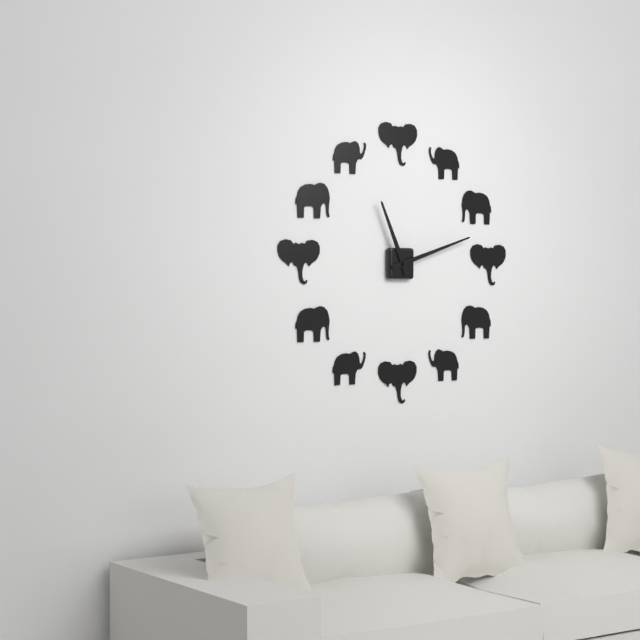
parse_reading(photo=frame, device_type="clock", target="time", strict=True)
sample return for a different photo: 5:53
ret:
11:12
